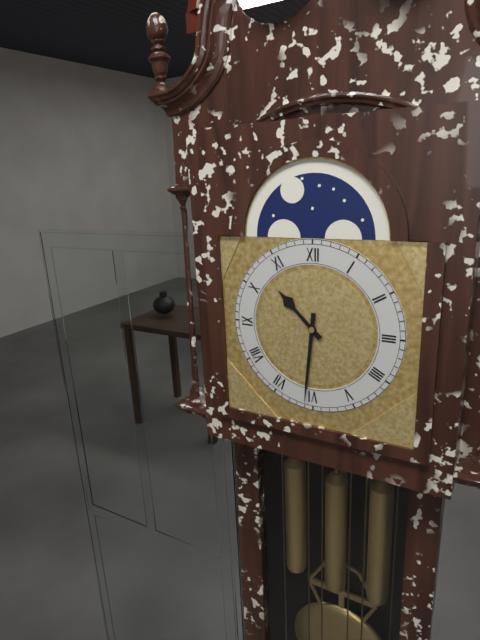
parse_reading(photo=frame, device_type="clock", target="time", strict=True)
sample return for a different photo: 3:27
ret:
10:31
